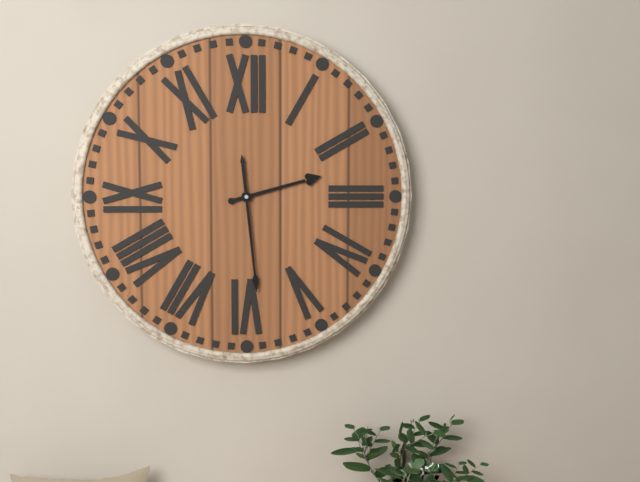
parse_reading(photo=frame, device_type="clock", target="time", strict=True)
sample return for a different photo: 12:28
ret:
2:29
